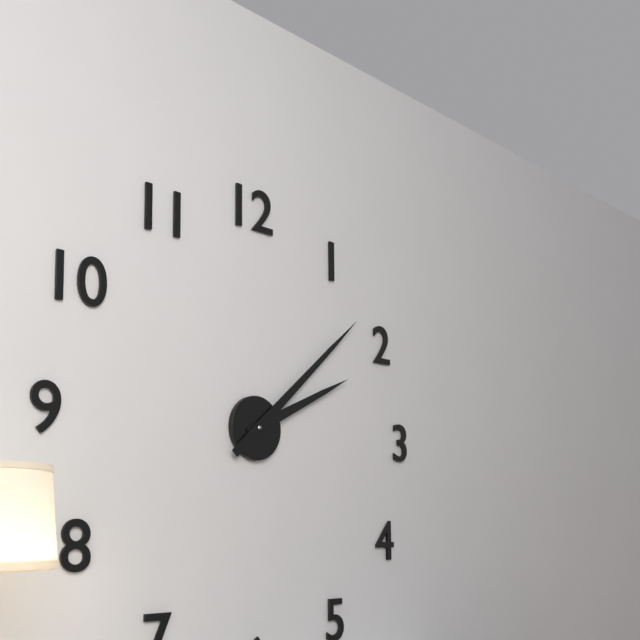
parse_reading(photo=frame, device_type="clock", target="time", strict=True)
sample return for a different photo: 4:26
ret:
2:08
